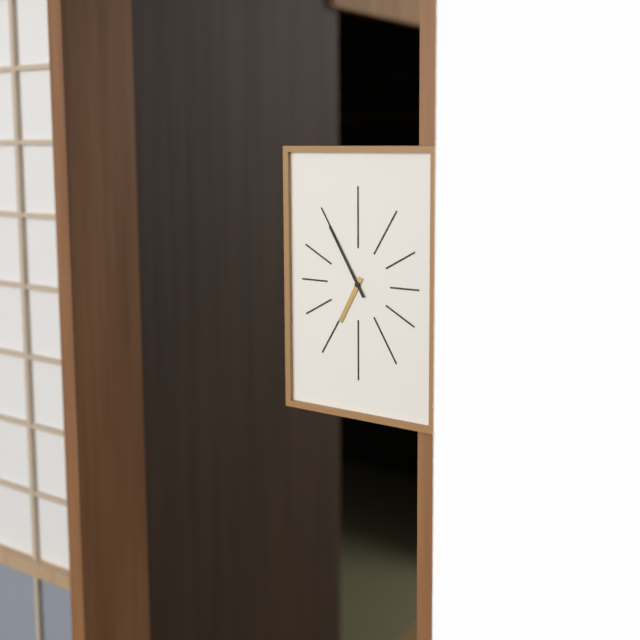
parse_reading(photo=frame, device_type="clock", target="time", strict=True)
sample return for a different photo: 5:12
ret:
6:55
